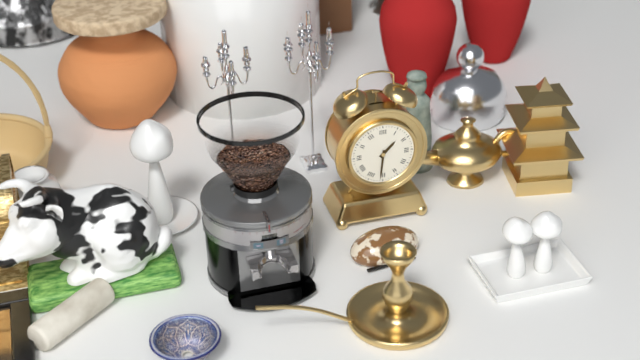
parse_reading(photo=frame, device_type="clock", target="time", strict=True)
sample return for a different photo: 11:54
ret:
1:31
